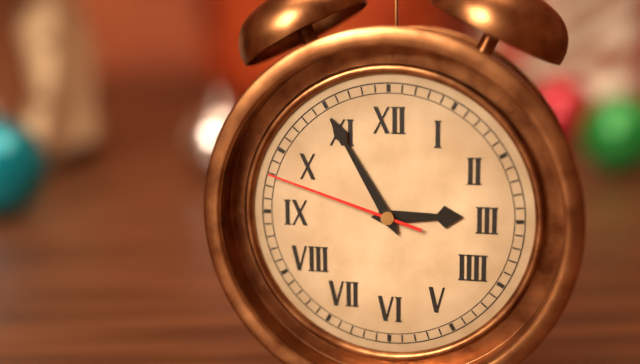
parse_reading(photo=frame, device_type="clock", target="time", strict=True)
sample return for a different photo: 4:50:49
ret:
2:55:48
